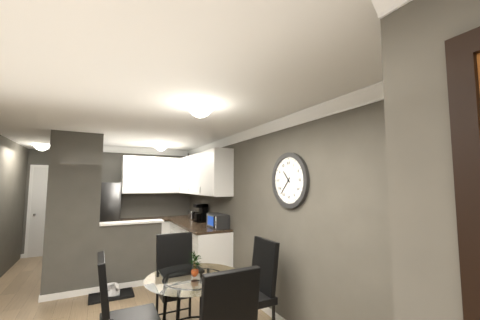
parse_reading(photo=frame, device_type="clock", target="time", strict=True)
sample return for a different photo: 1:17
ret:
10:37
